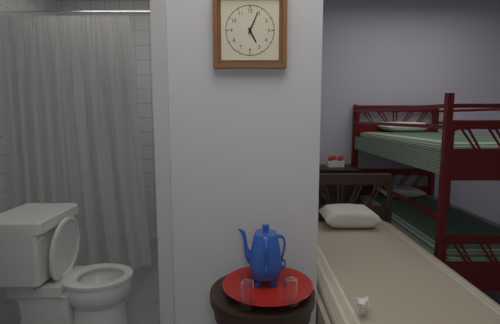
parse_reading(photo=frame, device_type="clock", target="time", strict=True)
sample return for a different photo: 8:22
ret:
5:04
